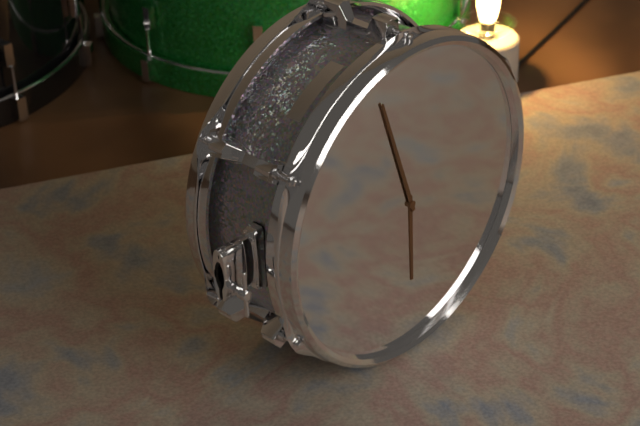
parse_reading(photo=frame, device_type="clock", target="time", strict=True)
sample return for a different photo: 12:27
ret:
5:57
